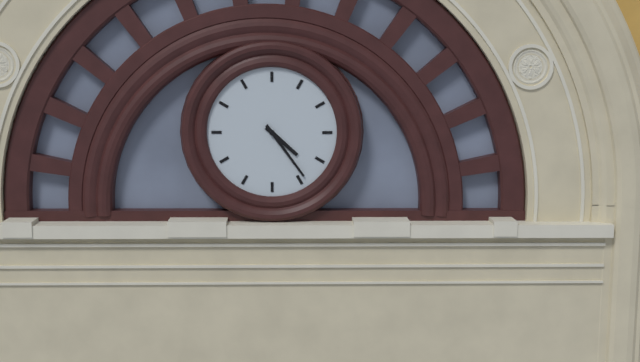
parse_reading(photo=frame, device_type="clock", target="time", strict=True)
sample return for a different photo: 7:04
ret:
4:24
